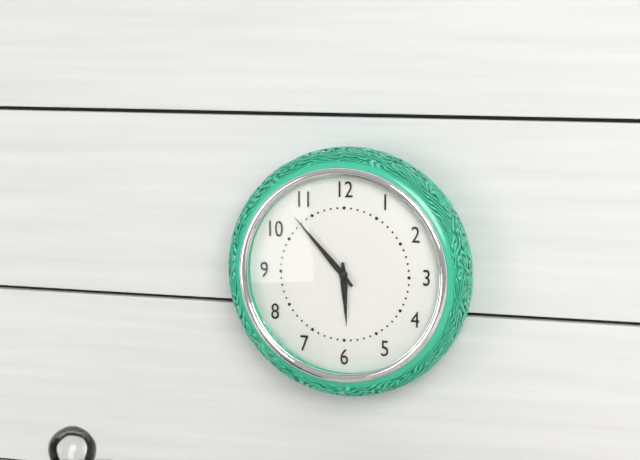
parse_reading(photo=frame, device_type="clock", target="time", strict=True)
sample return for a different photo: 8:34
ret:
5:53
